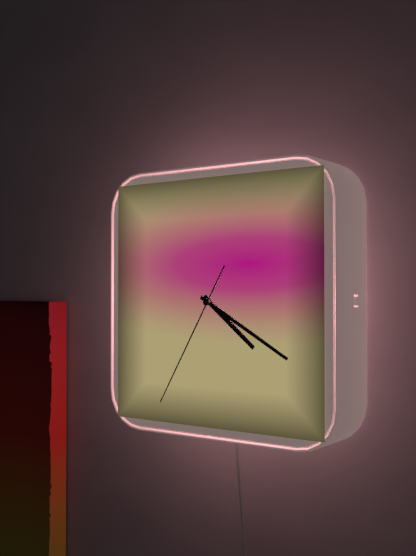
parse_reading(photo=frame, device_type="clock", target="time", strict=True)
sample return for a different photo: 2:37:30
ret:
4:20:35
